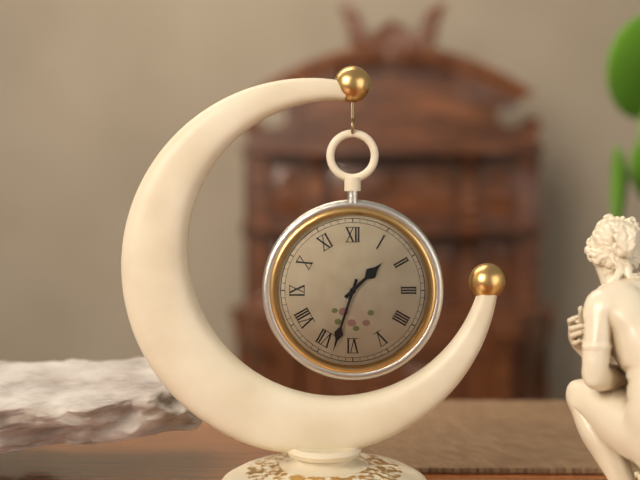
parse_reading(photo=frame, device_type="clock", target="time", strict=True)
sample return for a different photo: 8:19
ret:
1:33
